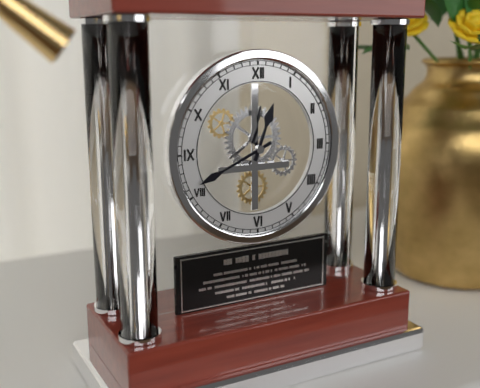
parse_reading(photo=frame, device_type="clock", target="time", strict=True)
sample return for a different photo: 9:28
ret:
12:41
